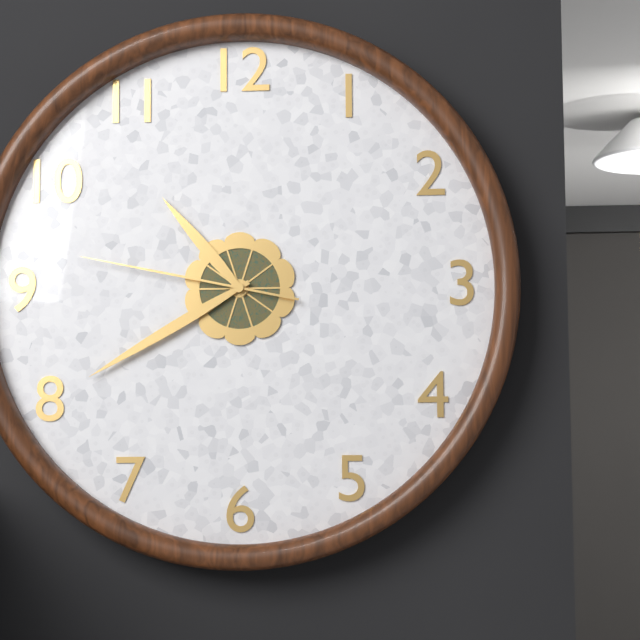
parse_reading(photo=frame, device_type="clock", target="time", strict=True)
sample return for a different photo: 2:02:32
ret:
10:40:47
